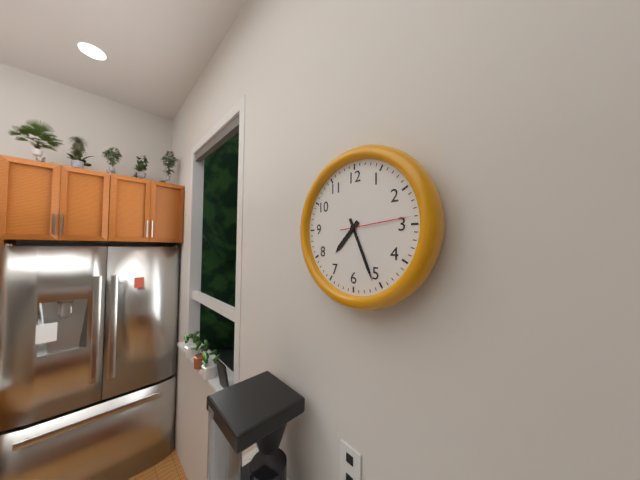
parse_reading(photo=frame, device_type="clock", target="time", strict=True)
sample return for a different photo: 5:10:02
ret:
7:26:14
